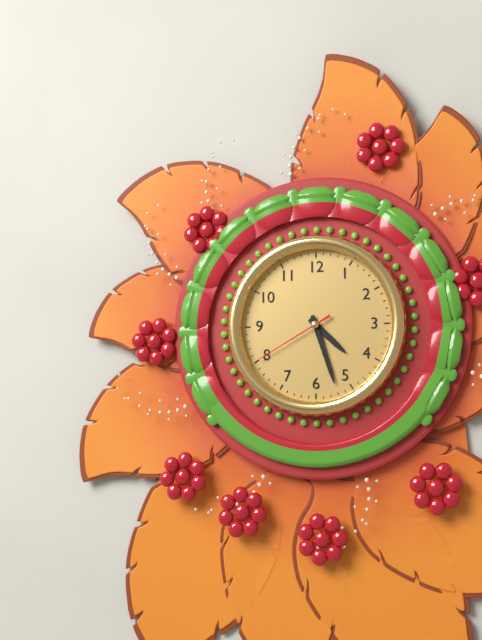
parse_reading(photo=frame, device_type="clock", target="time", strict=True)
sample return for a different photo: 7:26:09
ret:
4:27:40
